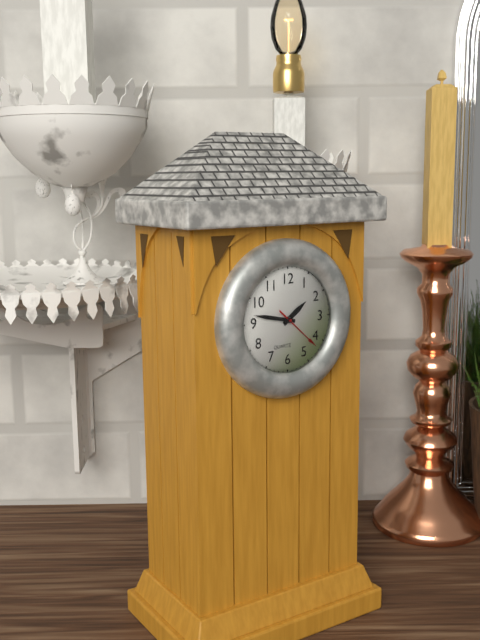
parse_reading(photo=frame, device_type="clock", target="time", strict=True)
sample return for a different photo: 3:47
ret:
1:47
